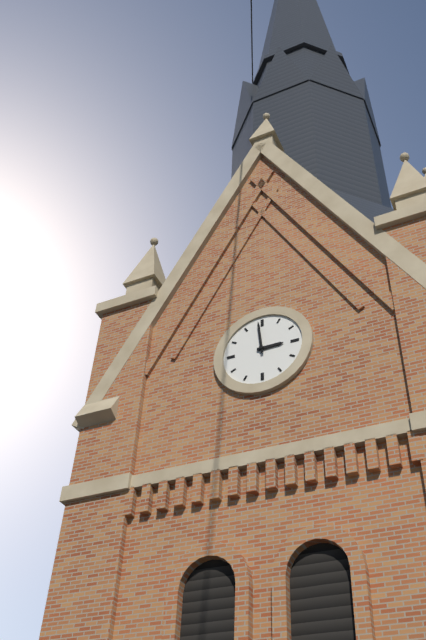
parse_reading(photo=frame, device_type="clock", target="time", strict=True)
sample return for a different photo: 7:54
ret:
2:59
